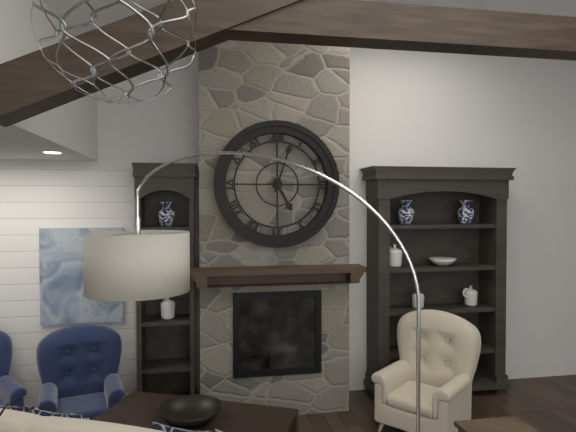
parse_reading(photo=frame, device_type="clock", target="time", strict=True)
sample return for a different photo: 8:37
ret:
5:03
